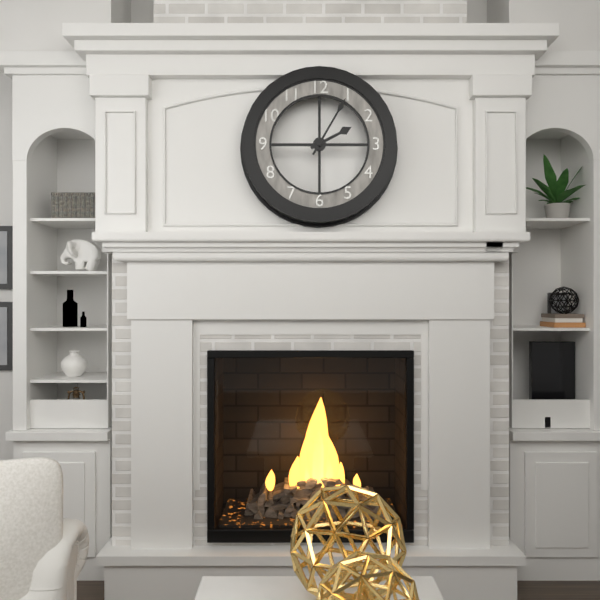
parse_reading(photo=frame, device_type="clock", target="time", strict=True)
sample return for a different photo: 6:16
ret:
2:05
